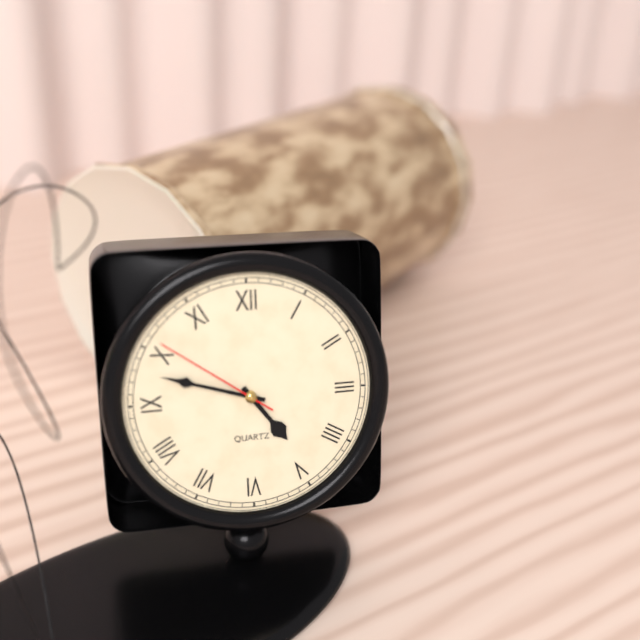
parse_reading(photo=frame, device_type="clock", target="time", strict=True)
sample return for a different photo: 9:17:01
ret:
4:48:51
